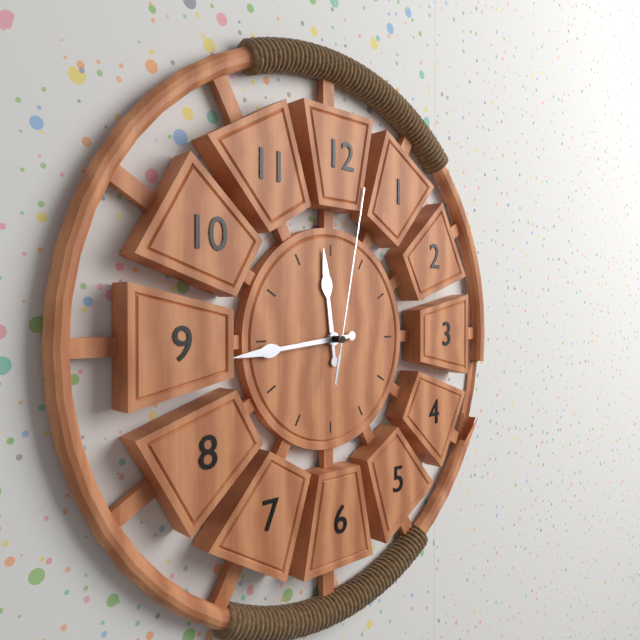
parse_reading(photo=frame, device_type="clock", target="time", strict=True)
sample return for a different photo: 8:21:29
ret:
11:44:02
